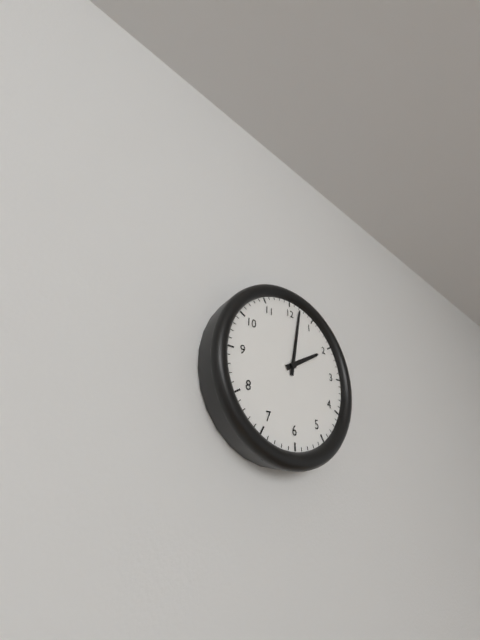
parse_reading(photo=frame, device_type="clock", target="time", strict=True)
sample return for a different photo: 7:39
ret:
2:02
